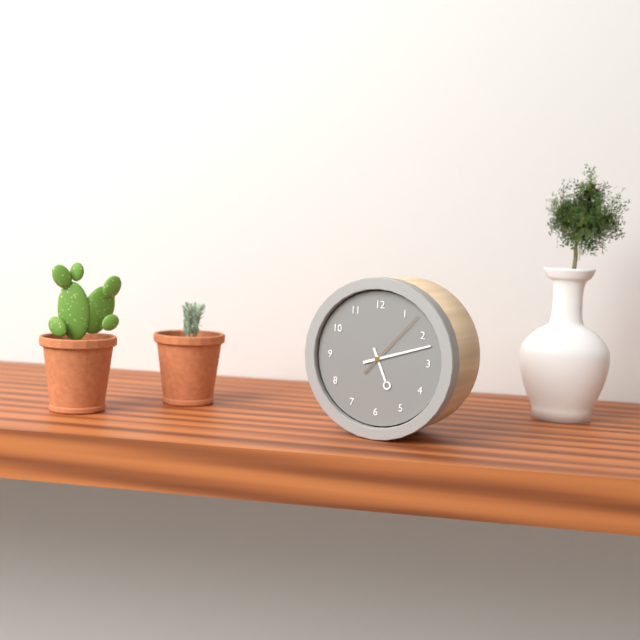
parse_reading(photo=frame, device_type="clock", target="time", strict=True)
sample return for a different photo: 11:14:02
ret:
5:12:07
